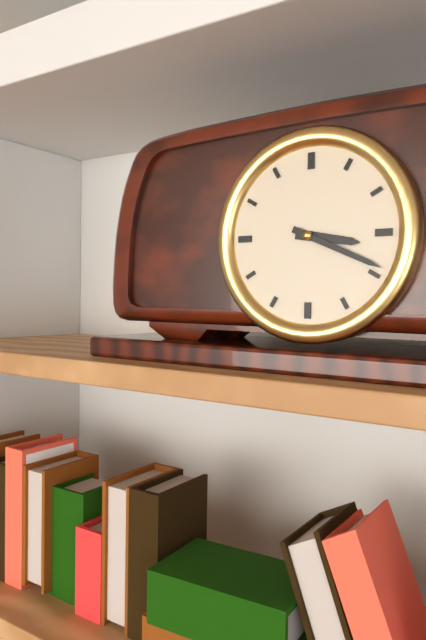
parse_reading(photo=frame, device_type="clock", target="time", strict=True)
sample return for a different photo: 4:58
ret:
3:19
